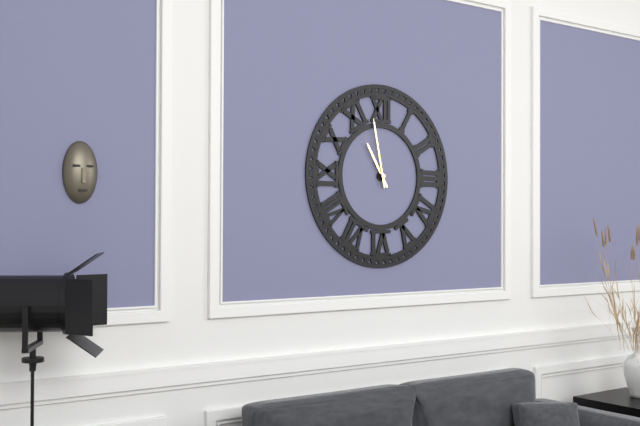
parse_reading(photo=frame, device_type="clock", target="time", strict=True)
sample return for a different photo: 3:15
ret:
10:58
